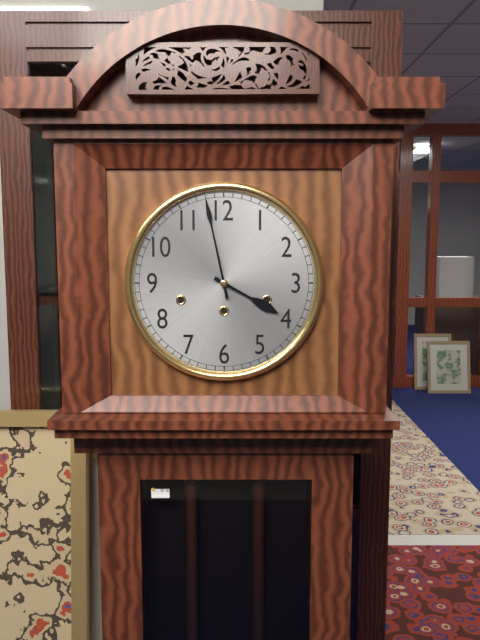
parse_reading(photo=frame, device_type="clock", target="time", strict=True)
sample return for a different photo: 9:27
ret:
3:58
